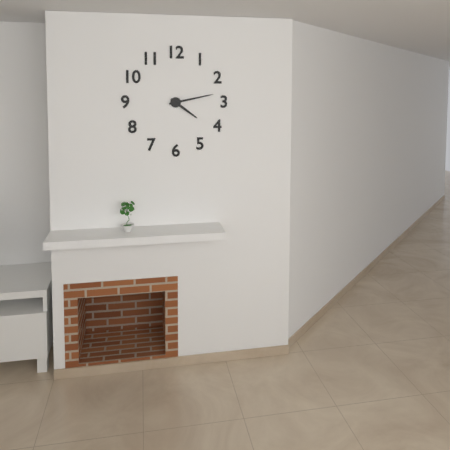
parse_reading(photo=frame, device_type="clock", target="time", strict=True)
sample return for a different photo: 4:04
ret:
4:13
